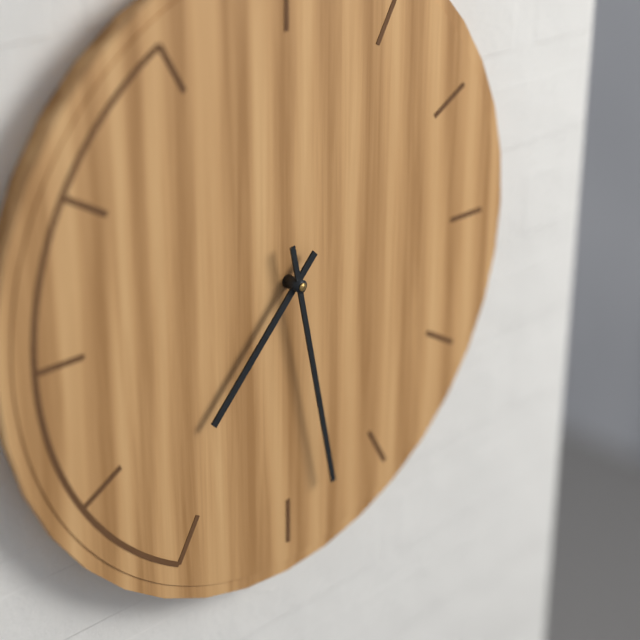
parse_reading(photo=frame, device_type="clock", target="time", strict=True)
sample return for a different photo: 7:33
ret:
7:28
